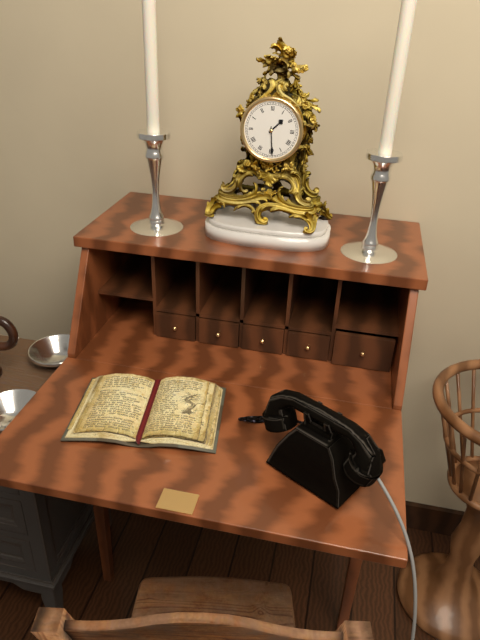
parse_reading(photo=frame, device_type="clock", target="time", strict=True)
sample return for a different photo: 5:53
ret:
1:29
